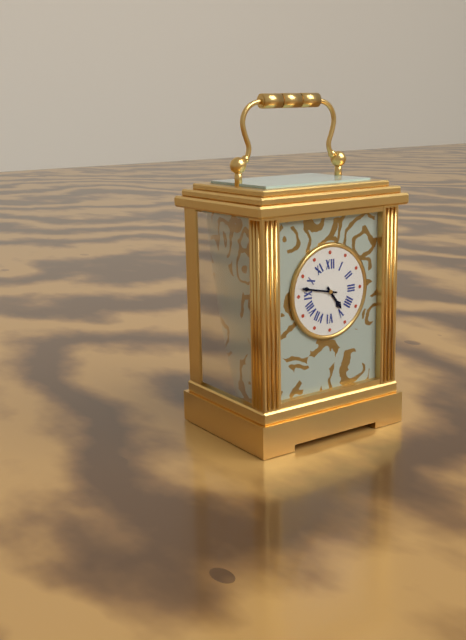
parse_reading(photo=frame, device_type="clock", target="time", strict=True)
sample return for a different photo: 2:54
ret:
4:47
